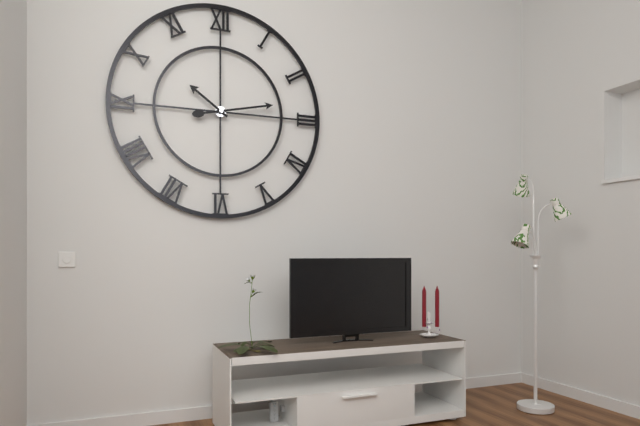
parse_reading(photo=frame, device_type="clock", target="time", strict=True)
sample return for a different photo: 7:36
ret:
10:13
